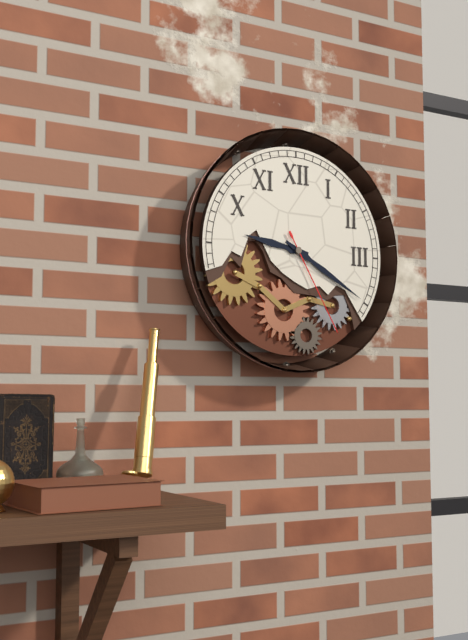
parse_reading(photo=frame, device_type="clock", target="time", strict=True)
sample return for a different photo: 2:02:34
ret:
9:20:25
